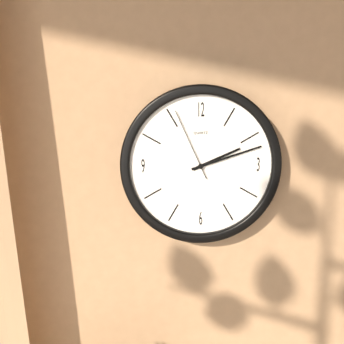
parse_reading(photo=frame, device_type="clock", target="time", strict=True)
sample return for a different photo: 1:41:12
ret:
2:12:56
